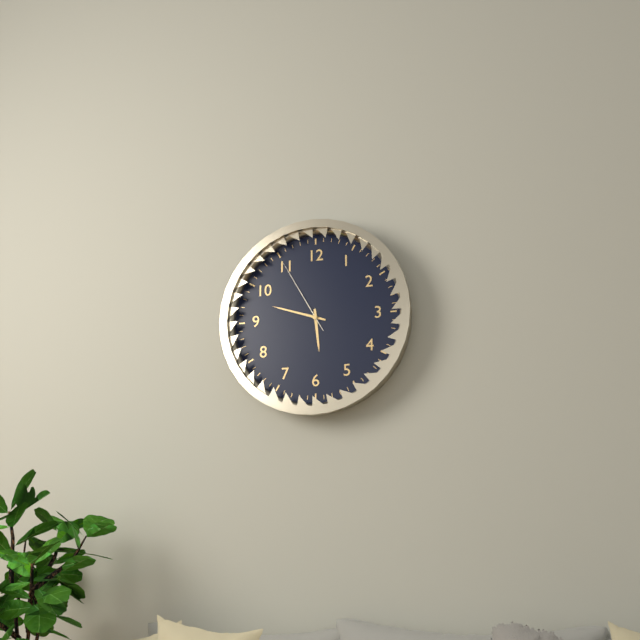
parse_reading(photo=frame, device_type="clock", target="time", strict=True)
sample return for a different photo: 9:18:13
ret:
5:48:55
